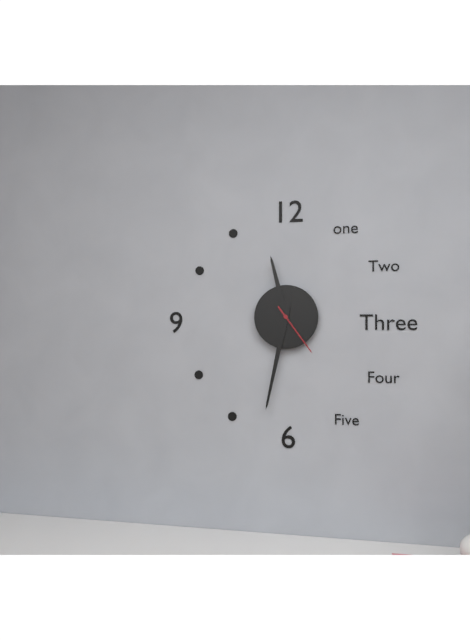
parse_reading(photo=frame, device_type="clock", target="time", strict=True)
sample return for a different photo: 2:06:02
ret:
11:32:24
